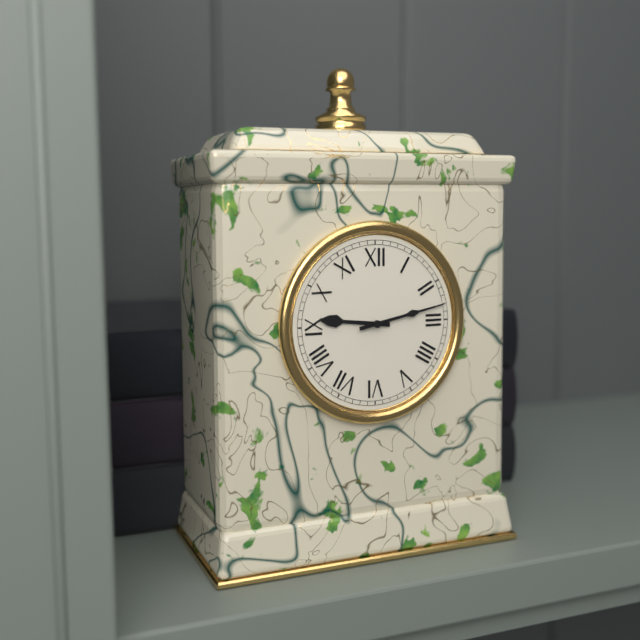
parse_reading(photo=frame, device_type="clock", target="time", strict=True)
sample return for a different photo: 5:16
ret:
9:13
